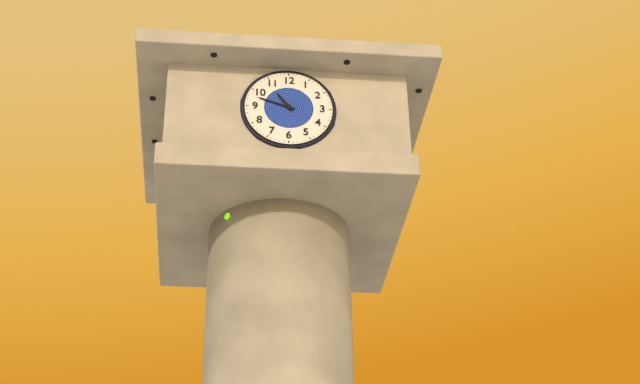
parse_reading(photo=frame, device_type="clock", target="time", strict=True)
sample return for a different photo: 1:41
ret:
10:48
